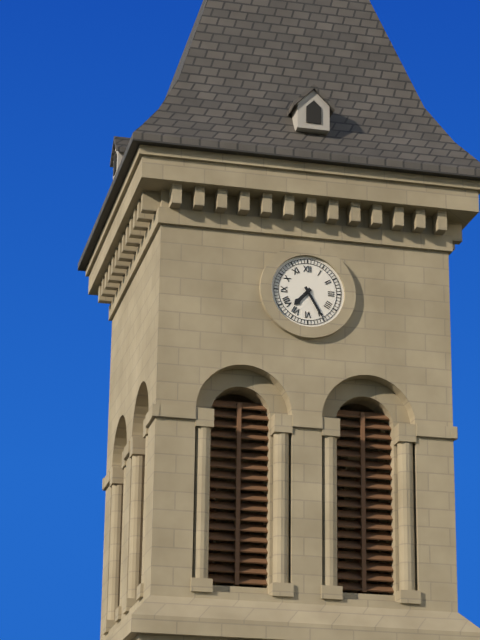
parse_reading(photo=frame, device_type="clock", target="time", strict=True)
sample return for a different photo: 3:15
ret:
7:25
